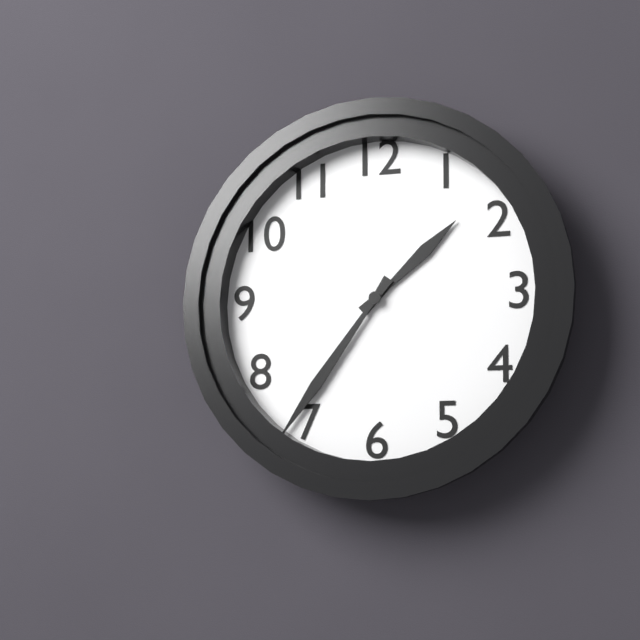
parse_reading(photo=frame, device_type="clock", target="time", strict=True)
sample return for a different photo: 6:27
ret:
1:36
